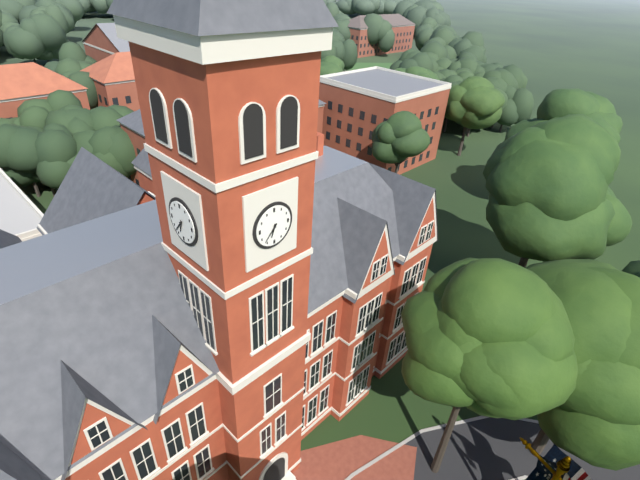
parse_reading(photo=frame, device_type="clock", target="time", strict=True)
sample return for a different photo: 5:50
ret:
6:37
